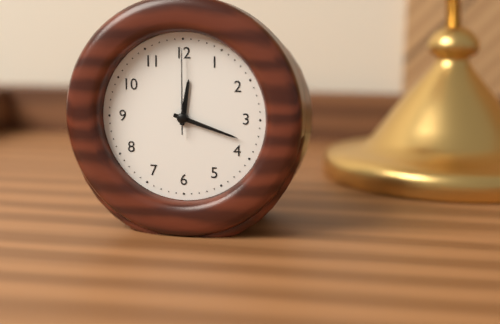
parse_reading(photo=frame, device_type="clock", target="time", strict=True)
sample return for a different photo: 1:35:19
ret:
12:18:00
